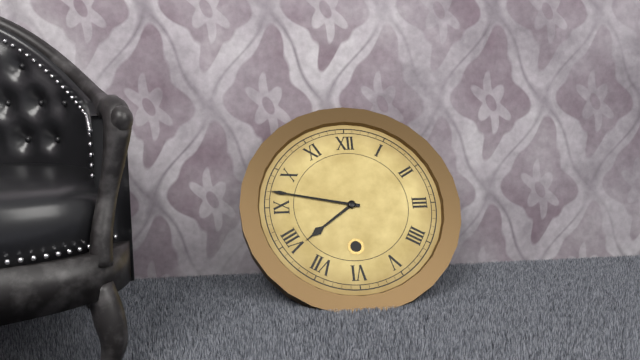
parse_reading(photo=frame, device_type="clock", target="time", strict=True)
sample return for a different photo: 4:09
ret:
7:47
